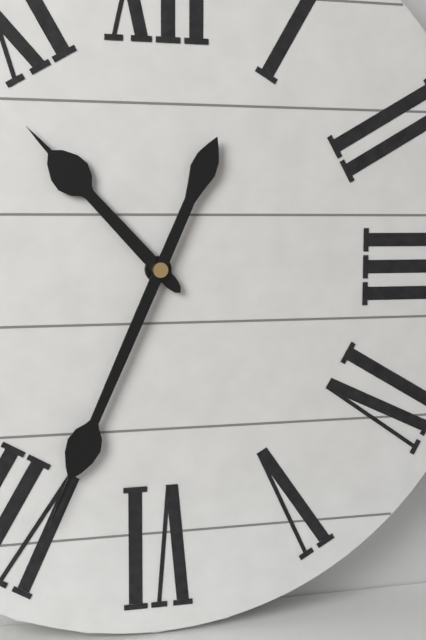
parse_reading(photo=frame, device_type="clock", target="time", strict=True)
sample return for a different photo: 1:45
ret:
10:34
